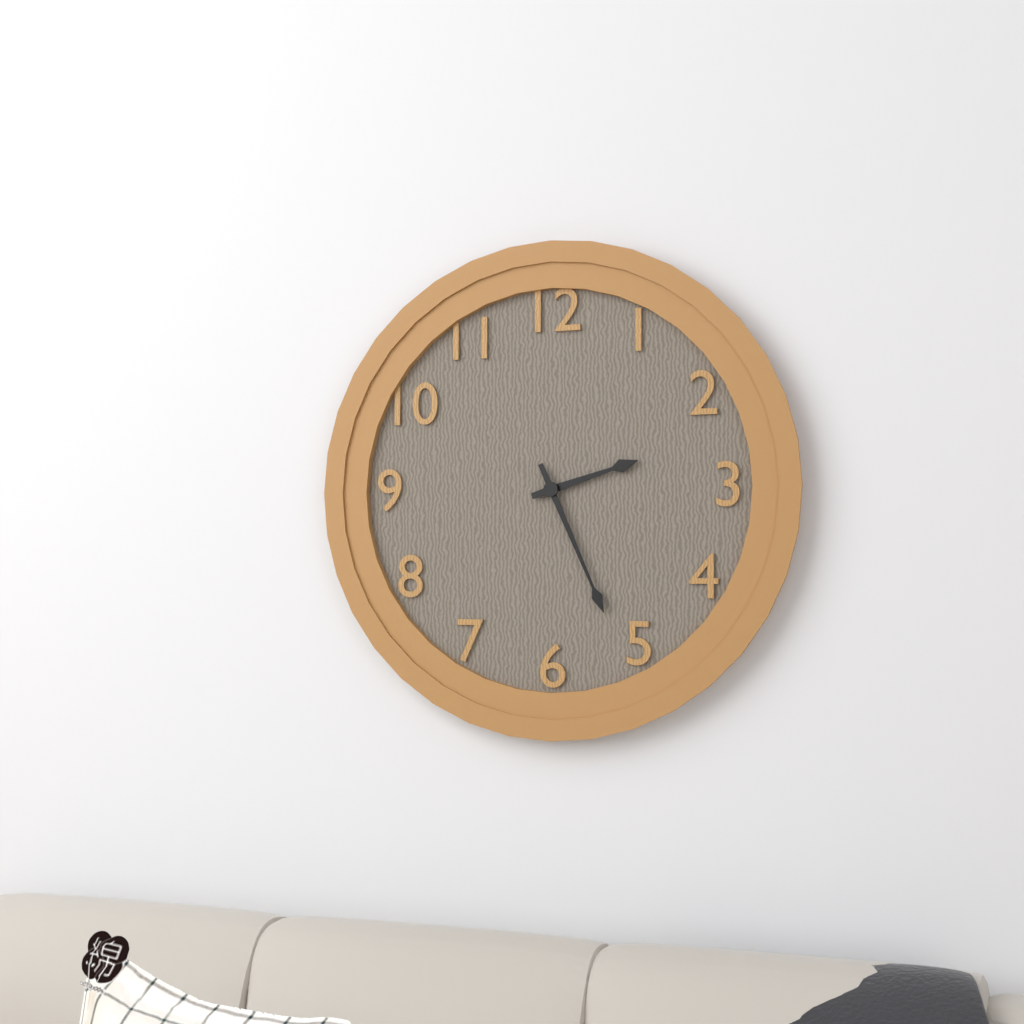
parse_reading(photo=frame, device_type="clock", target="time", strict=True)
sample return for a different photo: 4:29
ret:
2:26
